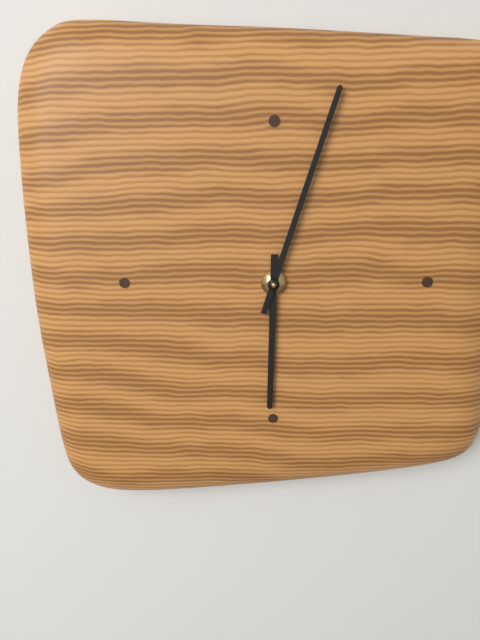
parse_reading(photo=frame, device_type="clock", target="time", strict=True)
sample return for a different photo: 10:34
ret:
6:03
